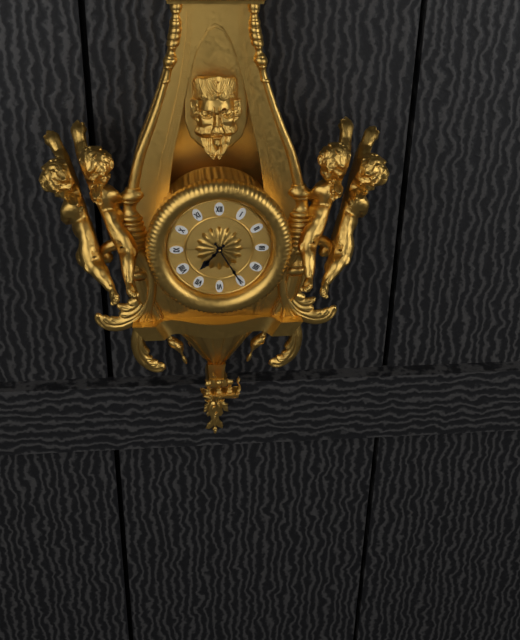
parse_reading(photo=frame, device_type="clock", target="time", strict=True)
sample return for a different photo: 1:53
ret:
7:25
